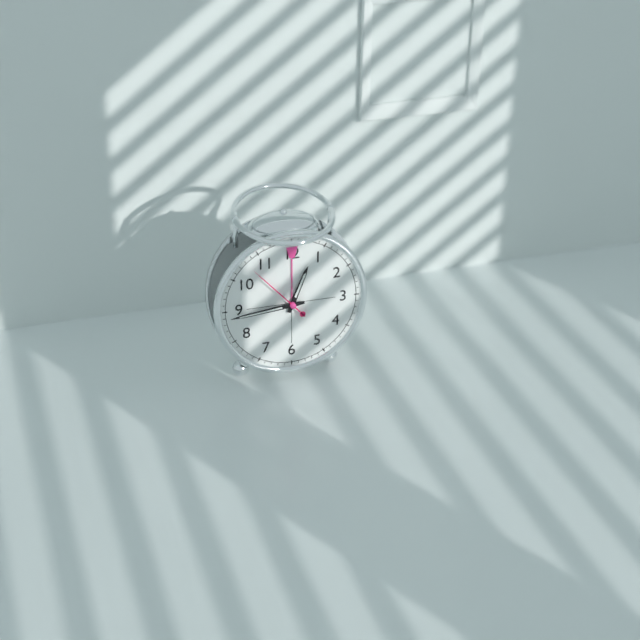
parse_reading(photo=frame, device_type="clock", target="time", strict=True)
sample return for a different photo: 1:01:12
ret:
12:44:53
